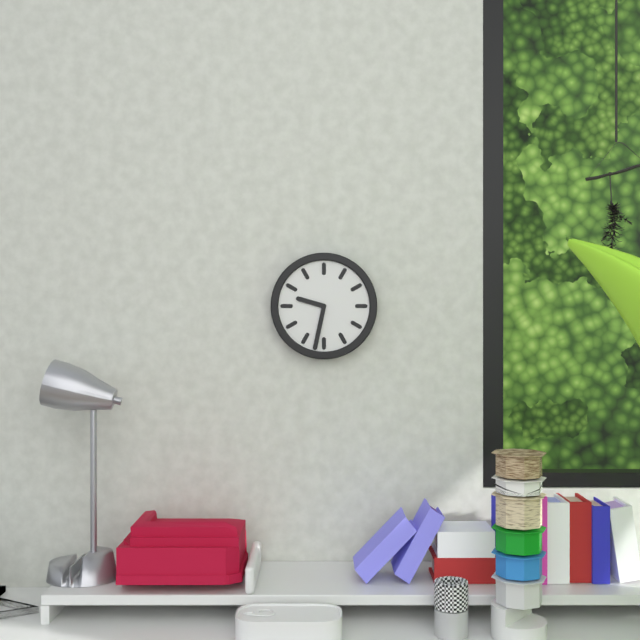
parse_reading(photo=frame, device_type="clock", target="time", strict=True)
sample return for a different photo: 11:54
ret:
9:32
